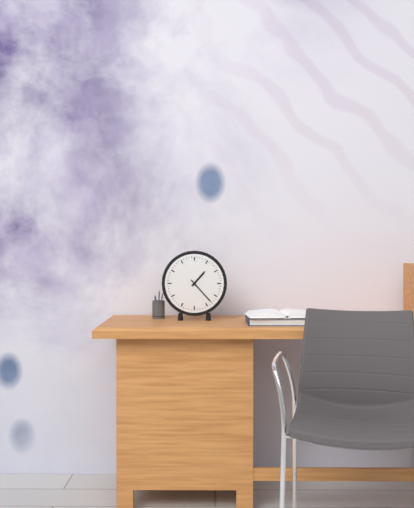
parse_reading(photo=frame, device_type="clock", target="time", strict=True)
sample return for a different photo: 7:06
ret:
1:23
